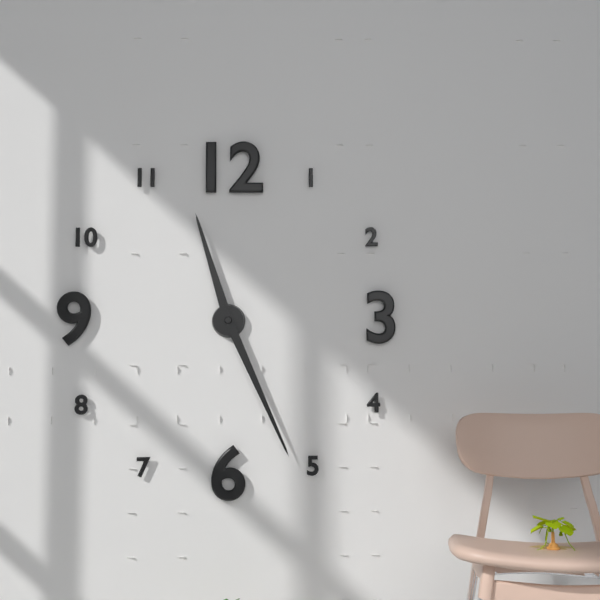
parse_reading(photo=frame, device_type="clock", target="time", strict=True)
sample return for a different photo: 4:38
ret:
11:26
